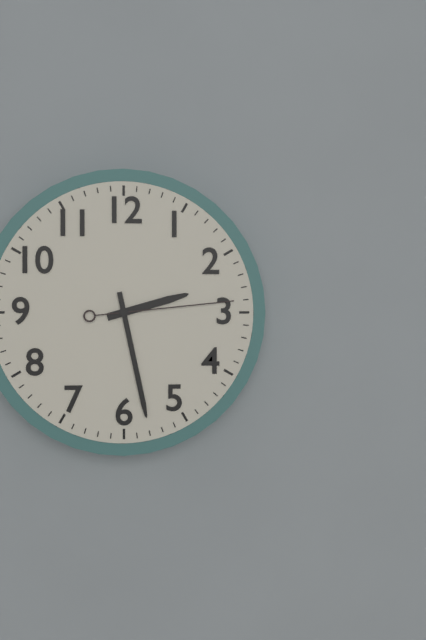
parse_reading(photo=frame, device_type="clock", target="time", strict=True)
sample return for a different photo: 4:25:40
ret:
2:28:14
